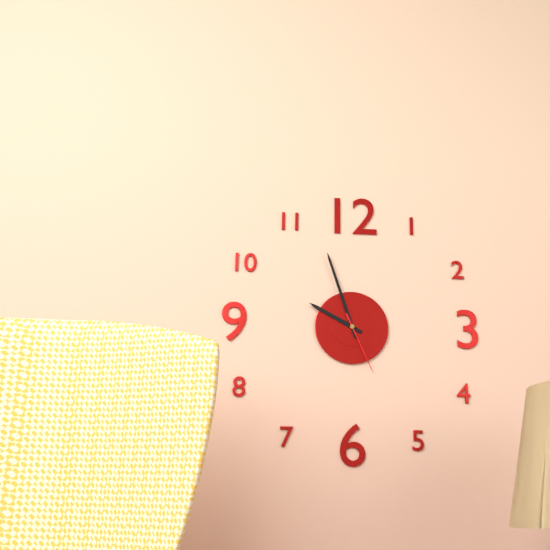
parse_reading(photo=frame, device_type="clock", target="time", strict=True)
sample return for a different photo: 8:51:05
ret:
9:57:26
